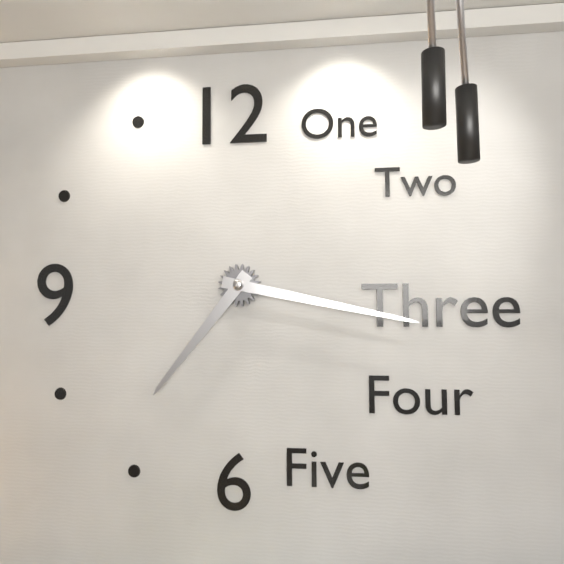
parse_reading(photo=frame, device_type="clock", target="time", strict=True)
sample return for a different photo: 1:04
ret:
7:17
